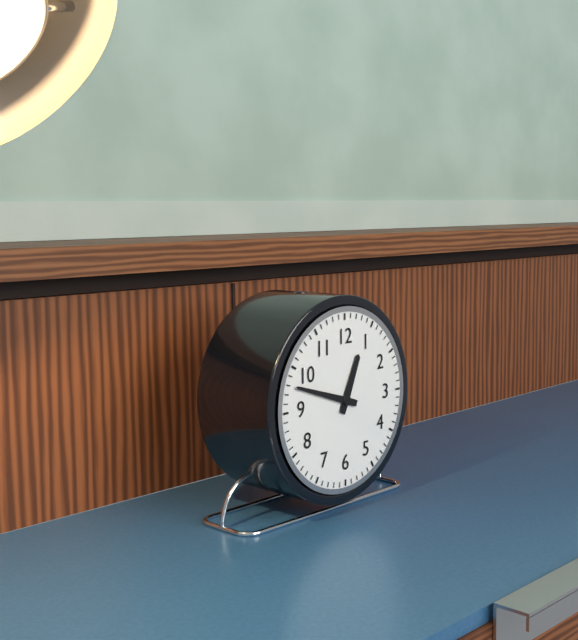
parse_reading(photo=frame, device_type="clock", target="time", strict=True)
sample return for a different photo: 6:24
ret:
12:48
